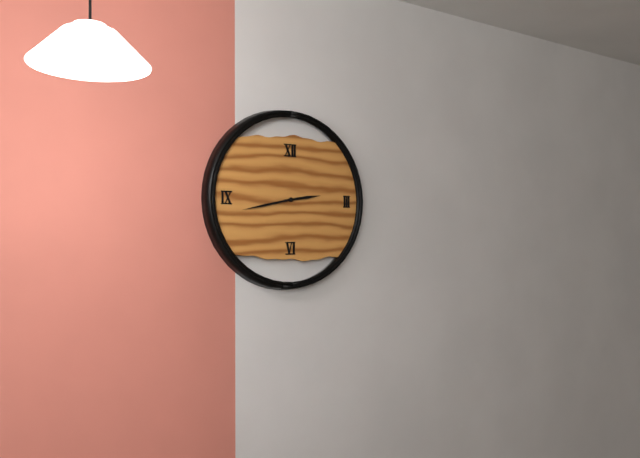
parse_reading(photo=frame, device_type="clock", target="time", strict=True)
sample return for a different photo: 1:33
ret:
2:43
